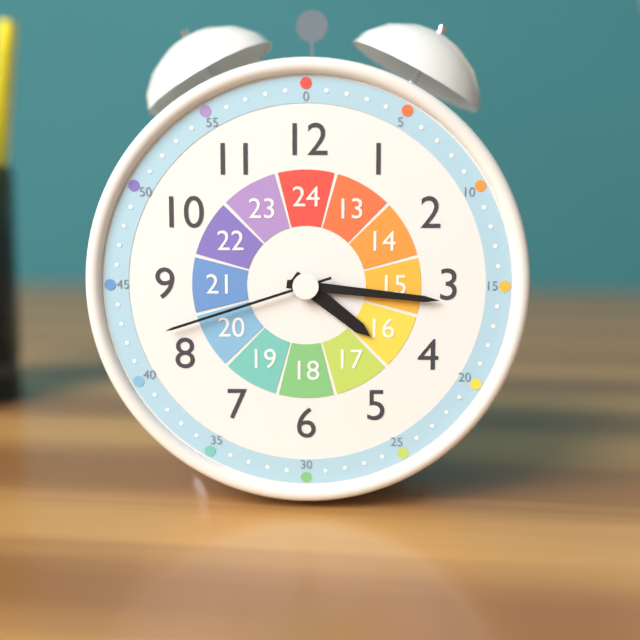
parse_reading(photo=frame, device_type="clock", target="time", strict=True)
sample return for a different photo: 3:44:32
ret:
4:16:42
